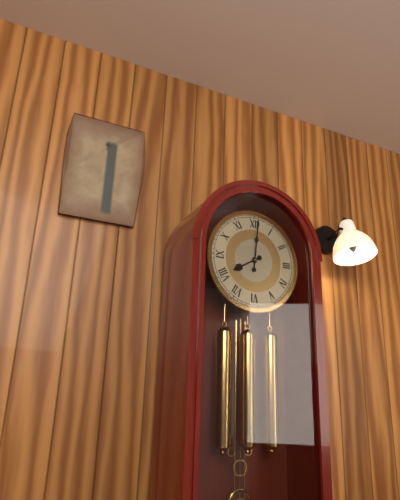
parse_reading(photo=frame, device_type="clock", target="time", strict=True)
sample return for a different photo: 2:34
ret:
8:01
